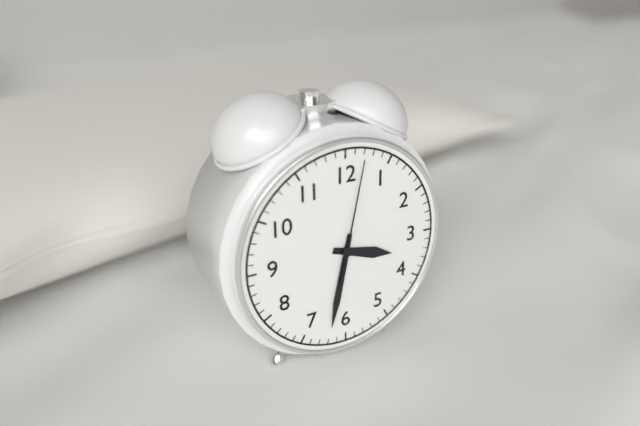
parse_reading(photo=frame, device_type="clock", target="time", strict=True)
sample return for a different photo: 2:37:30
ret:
3:32:02
